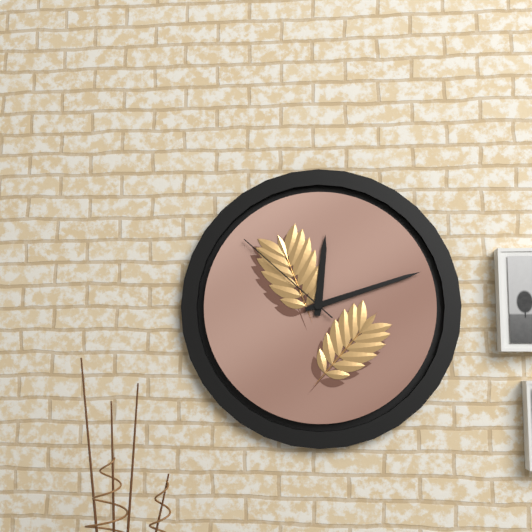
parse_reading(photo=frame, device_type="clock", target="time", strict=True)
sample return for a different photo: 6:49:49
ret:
12:12:52
